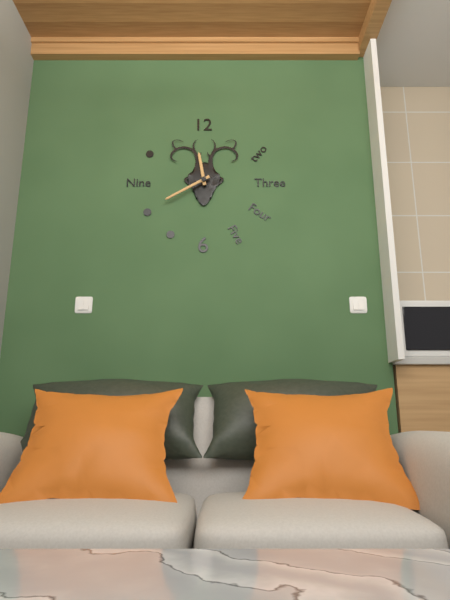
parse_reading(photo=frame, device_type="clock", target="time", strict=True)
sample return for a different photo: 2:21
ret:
11:40
